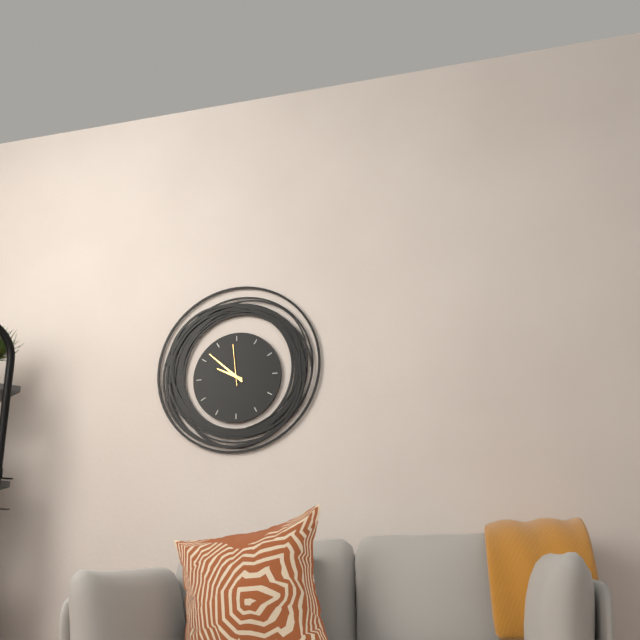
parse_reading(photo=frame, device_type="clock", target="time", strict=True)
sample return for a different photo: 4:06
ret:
9:52
